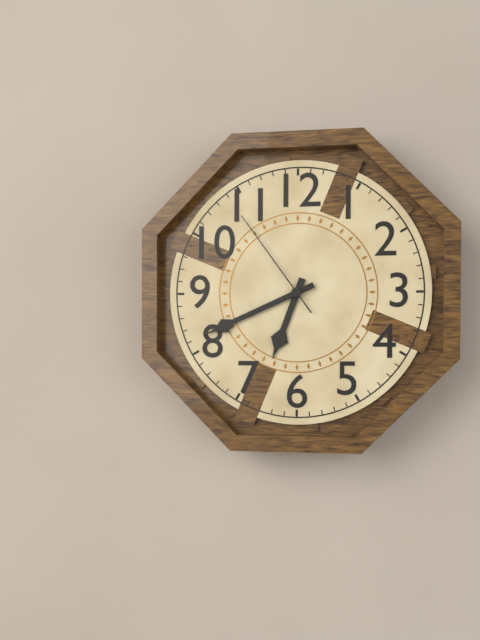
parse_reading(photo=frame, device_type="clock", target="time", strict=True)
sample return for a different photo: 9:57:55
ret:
6:41:54
